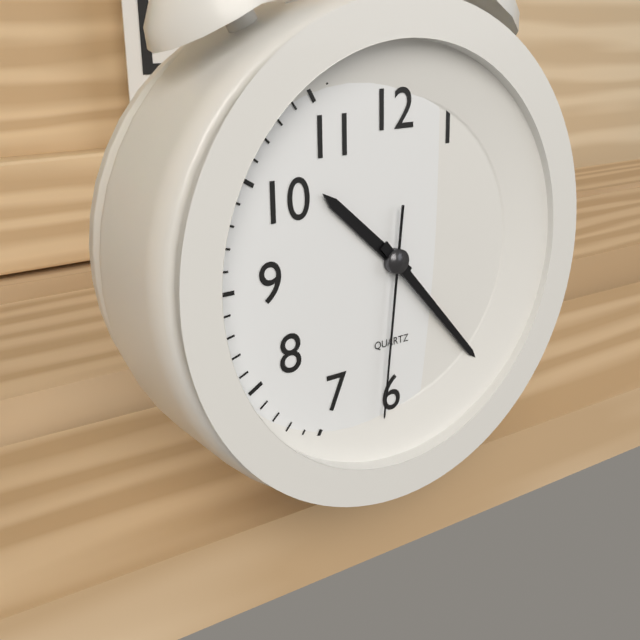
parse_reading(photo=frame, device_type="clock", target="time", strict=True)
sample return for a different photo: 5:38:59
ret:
10:23:31
